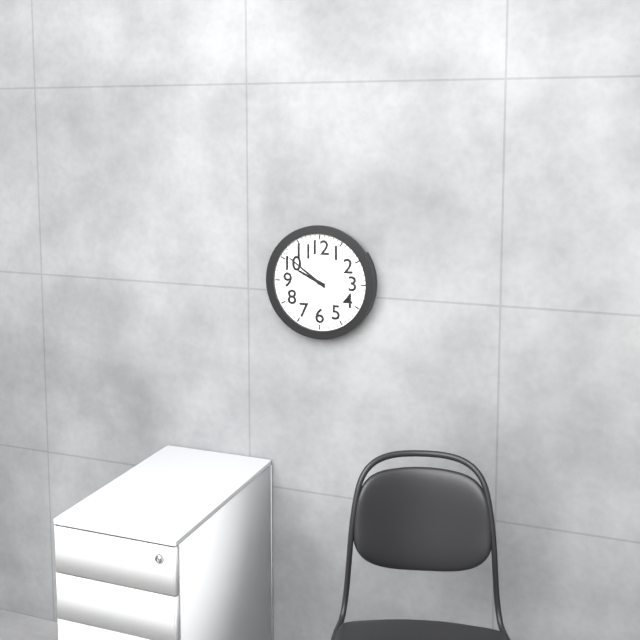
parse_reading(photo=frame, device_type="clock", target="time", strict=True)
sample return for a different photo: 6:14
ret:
9:51
